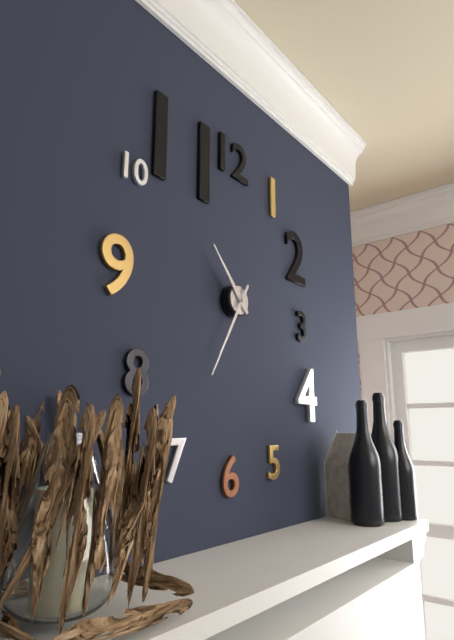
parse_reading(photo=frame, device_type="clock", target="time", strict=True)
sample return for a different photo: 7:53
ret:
10:35
